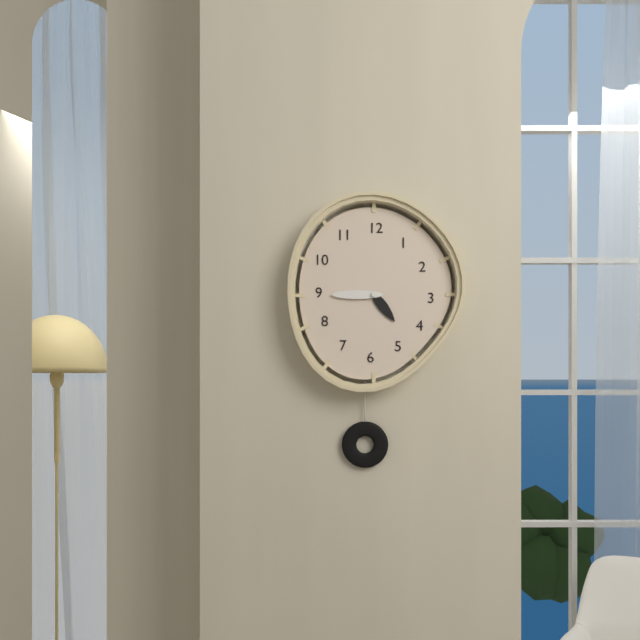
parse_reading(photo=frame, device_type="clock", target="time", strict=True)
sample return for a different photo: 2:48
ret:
4:45
